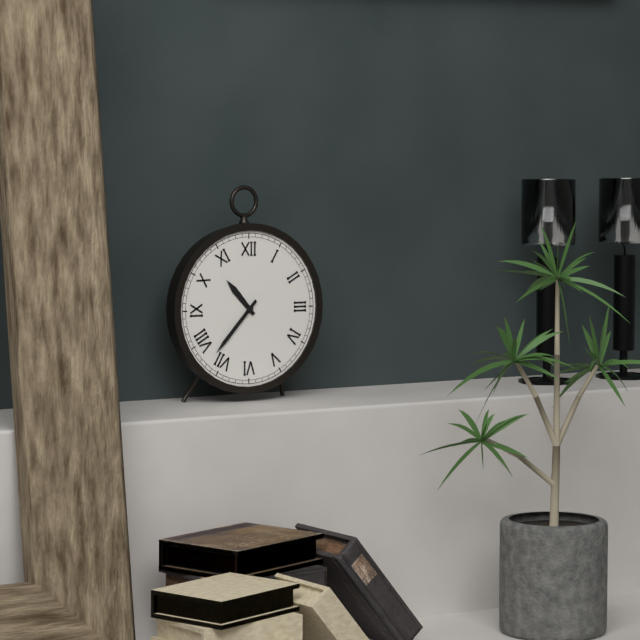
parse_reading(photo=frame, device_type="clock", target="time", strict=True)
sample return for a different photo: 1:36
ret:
10:37
